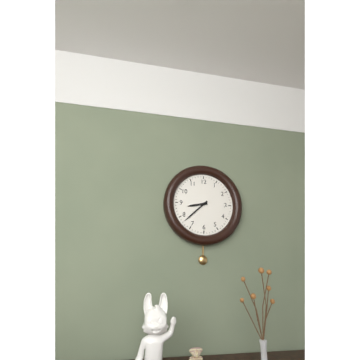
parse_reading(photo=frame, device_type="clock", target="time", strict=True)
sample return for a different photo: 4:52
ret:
8:38
